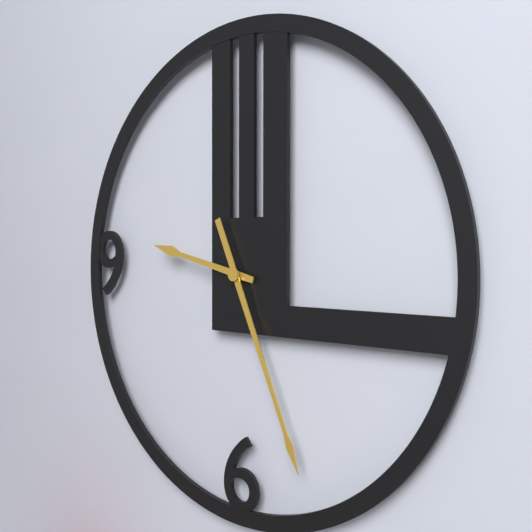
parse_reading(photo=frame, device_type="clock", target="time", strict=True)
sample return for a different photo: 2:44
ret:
9:26
